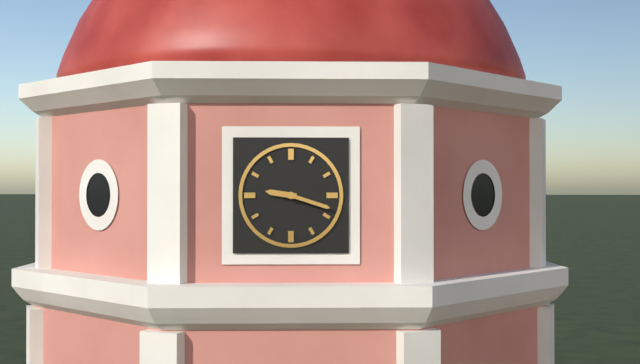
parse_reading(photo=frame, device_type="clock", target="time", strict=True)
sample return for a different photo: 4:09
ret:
9:18
